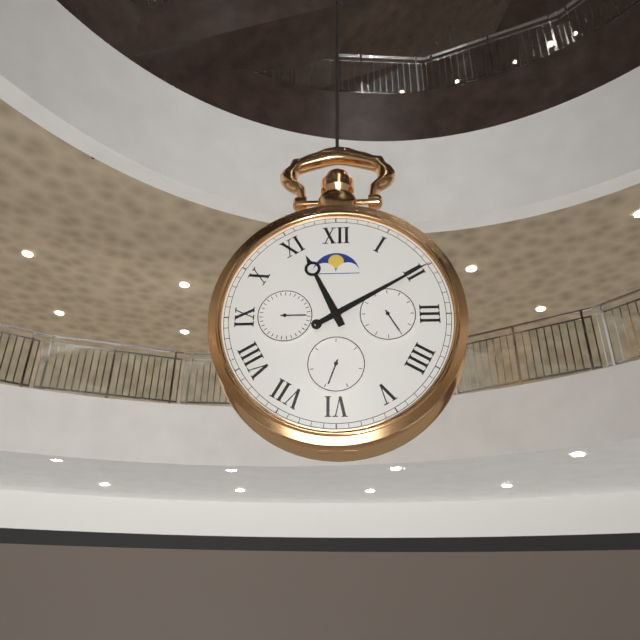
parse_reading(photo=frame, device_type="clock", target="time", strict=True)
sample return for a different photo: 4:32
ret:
11:10
